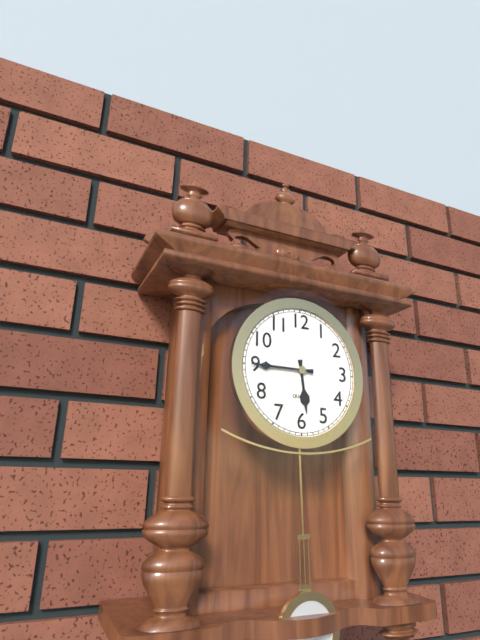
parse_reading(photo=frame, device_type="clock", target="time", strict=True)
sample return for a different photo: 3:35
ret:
5:45
